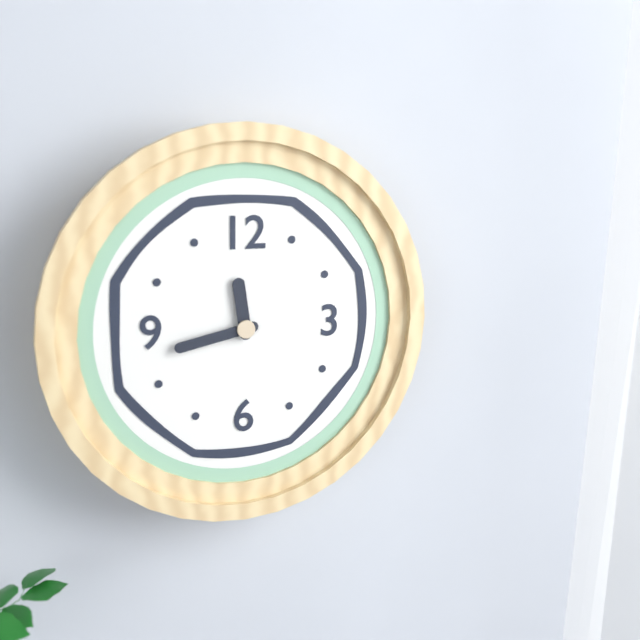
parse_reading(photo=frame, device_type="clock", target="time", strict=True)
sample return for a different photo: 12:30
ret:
11:43
